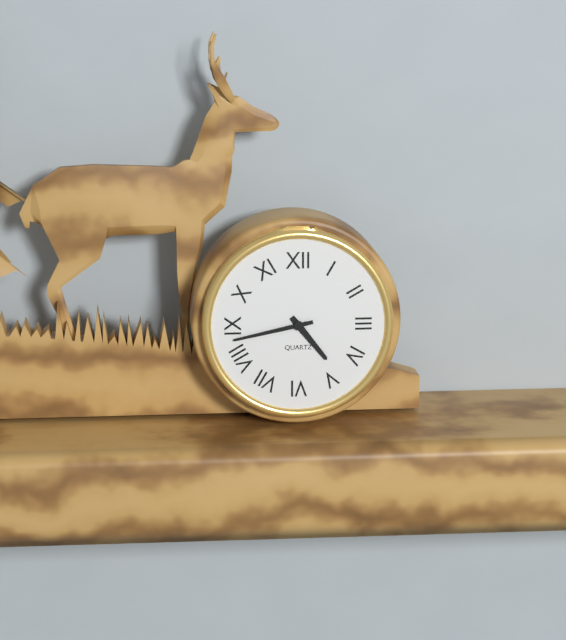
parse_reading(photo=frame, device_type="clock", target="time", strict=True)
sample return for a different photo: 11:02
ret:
4:43
